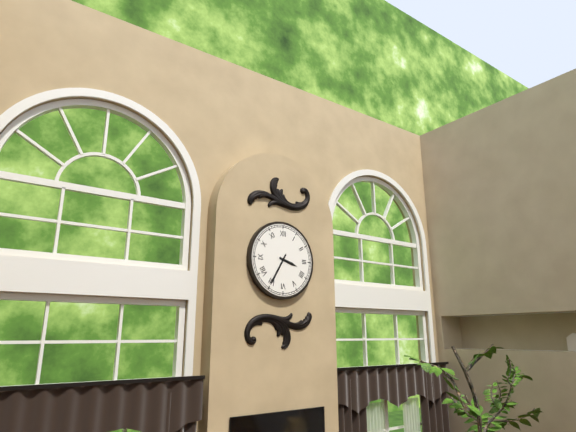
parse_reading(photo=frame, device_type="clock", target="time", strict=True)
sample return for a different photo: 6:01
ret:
3:35
